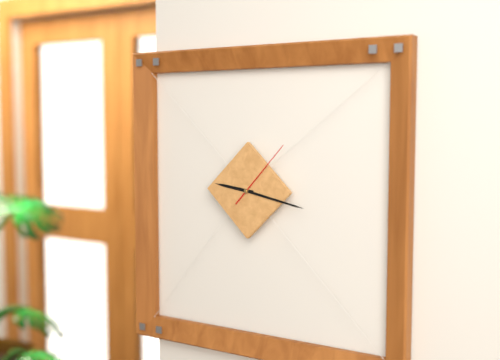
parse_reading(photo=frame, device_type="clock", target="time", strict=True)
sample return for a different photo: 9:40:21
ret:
9:17:07
